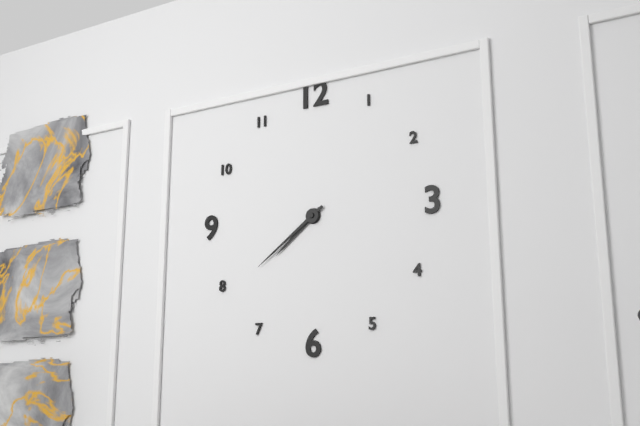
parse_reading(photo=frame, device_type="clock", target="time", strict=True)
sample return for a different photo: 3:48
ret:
7:39
